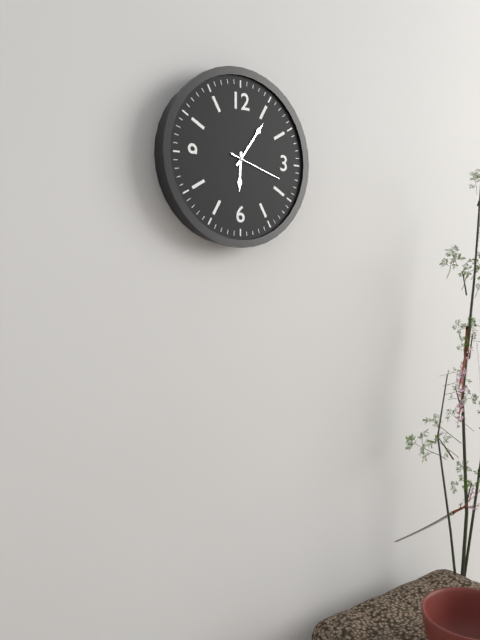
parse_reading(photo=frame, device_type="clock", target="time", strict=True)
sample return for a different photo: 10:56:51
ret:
6:06:18
